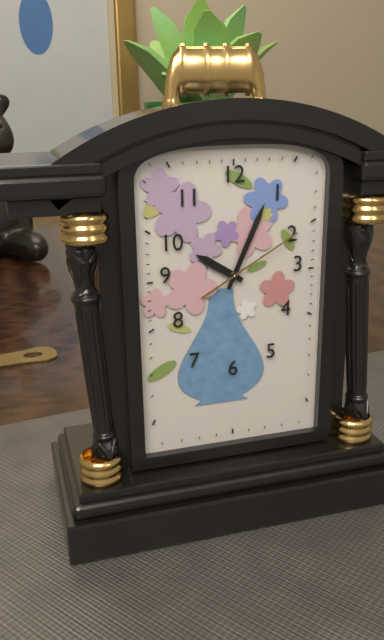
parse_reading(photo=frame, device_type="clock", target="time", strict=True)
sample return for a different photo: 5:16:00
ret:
10:04:10
